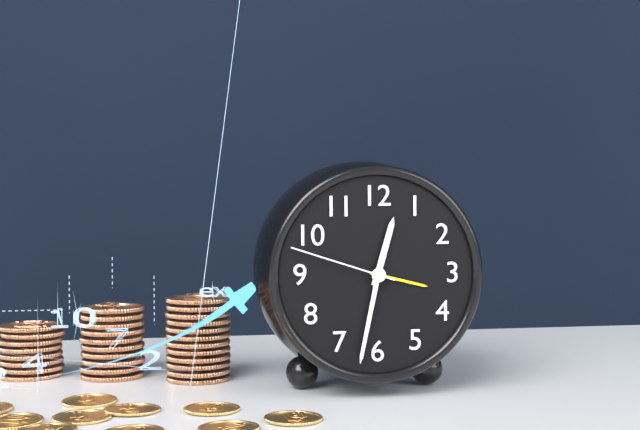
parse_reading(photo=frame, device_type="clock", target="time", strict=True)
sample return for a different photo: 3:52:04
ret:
12:32:48
